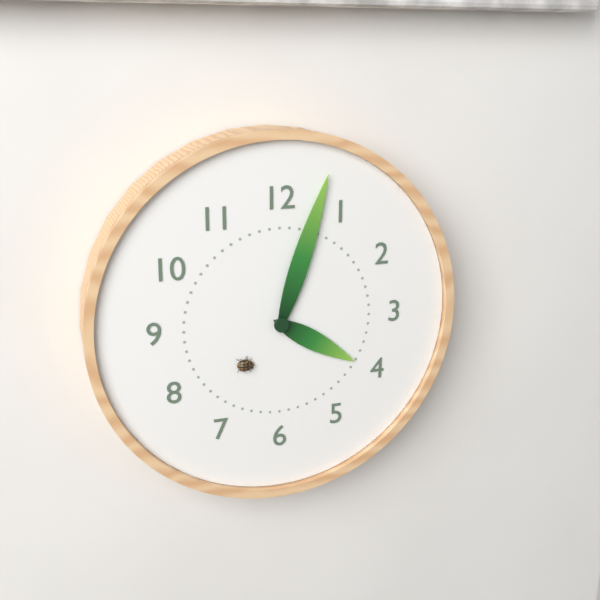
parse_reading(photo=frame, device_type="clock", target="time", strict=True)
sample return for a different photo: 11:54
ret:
4:03
